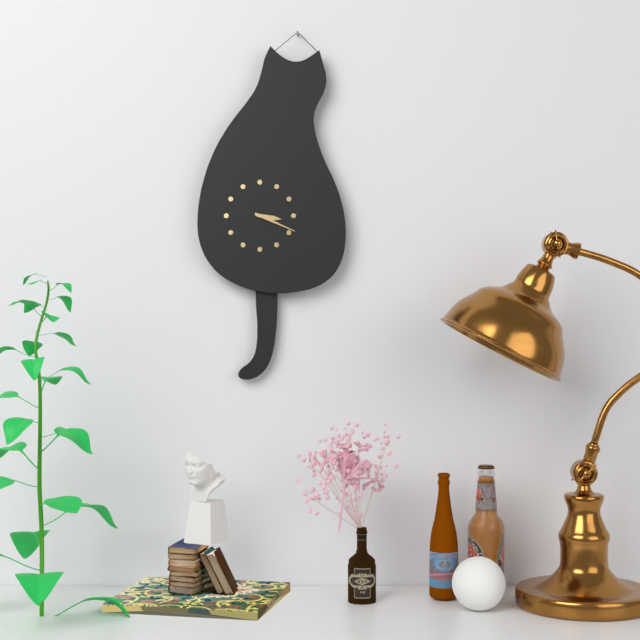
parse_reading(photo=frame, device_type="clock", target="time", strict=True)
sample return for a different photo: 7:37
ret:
3:19
